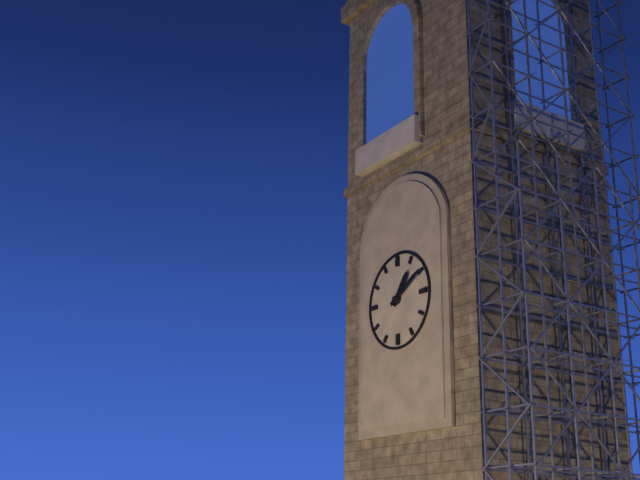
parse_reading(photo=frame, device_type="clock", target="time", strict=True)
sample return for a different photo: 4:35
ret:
1:10
